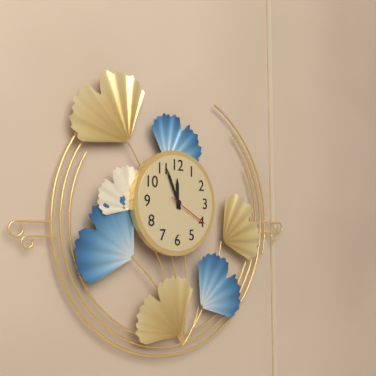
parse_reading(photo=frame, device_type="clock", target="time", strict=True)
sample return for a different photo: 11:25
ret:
11:56
